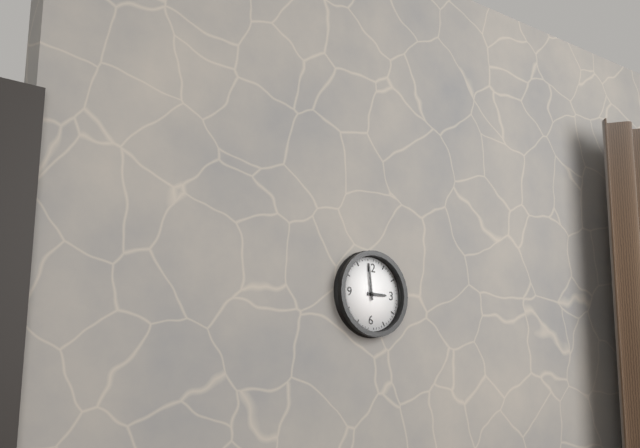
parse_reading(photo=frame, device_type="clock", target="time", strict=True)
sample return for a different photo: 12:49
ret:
2:59
